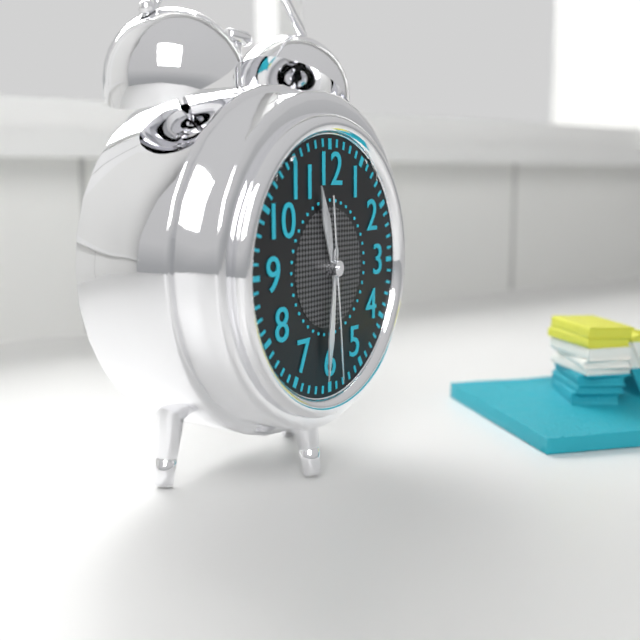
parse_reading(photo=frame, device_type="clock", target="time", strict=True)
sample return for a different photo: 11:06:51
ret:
11:31:29
